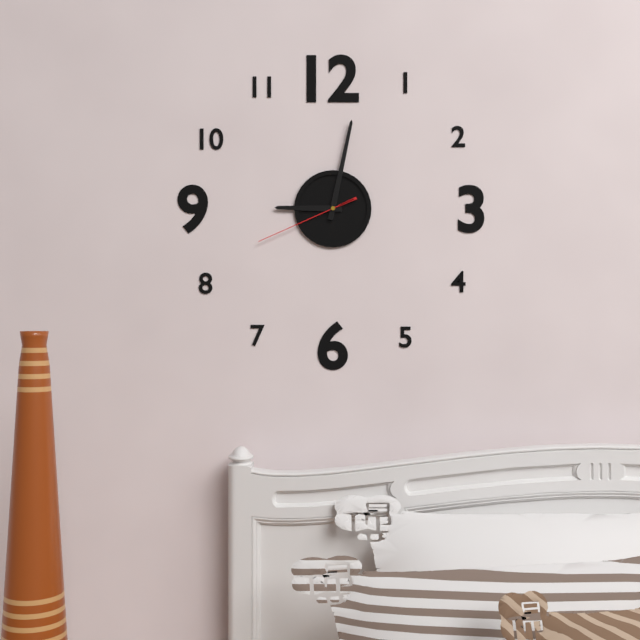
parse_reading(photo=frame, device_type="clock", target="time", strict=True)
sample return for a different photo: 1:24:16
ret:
9:02:41
